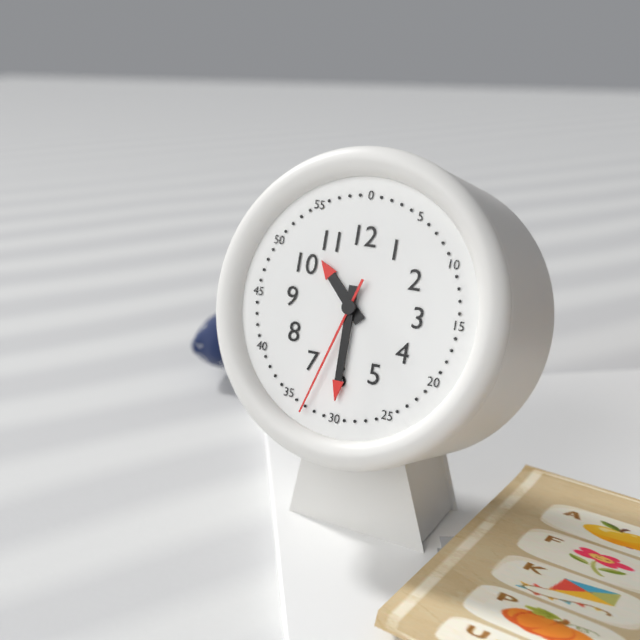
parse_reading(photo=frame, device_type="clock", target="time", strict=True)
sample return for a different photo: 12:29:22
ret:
10:30:33
